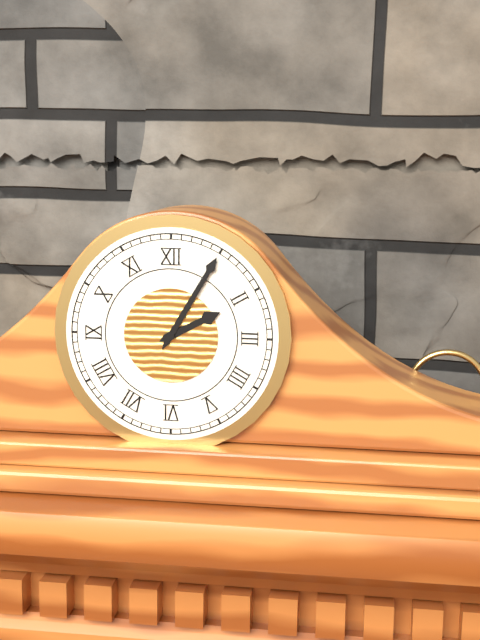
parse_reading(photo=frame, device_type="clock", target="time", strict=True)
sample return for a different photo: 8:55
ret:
2:05
